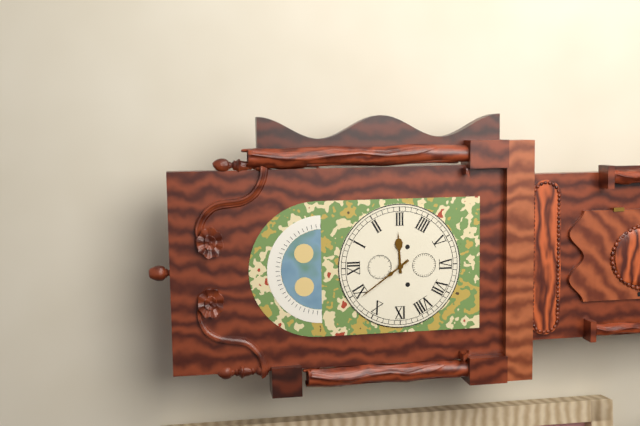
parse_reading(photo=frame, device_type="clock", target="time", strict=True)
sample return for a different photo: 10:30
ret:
2:54
